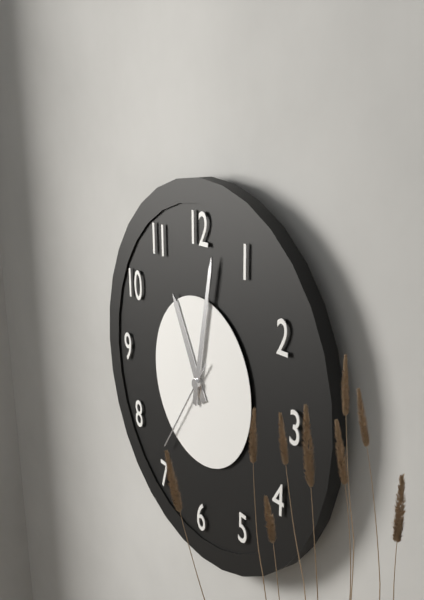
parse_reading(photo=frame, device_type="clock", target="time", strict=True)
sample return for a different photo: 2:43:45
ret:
11:02:36
